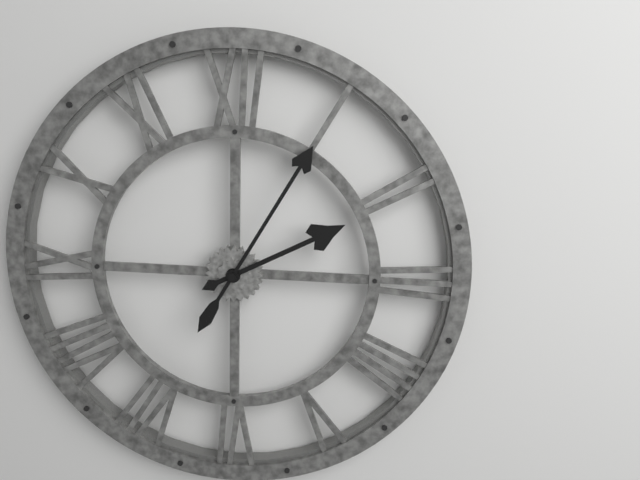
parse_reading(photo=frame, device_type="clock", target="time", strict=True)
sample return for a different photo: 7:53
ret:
2:05
